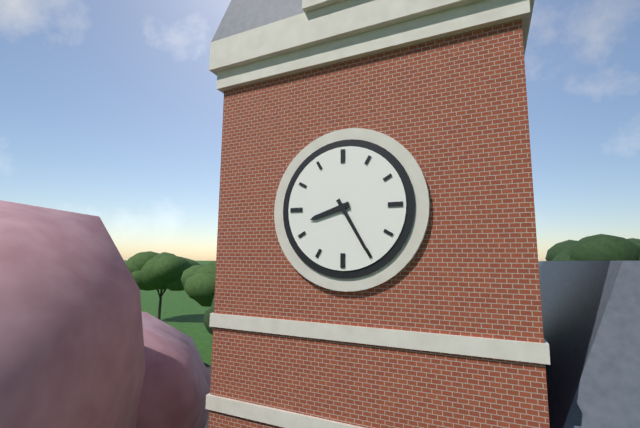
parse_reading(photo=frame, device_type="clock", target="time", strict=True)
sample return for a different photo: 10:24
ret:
8:25
